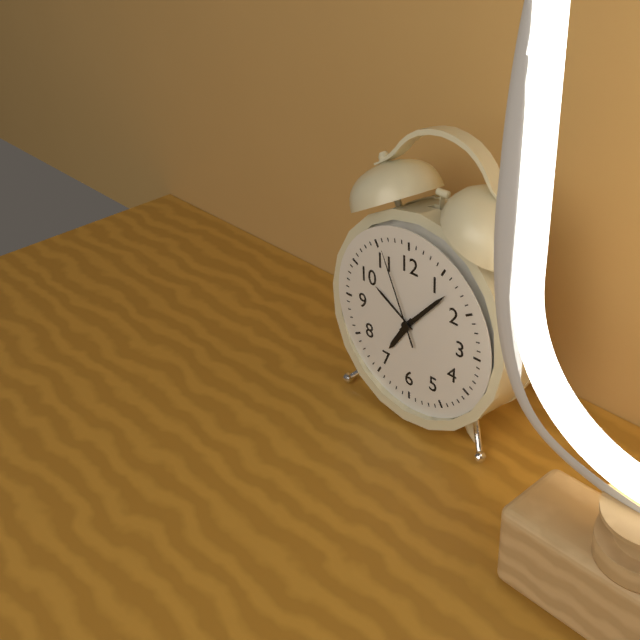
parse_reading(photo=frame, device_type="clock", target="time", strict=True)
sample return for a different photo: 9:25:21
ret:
7:07:56
